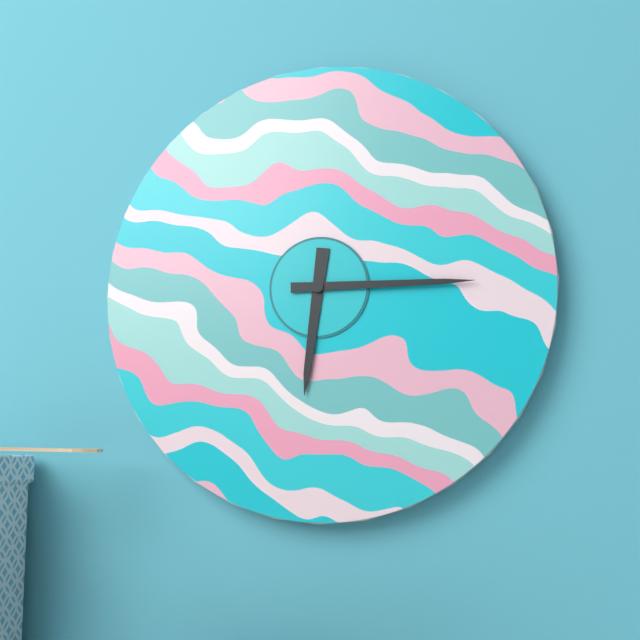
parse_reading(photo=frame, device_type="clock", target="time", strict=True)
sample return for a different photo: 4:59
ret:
6:15
